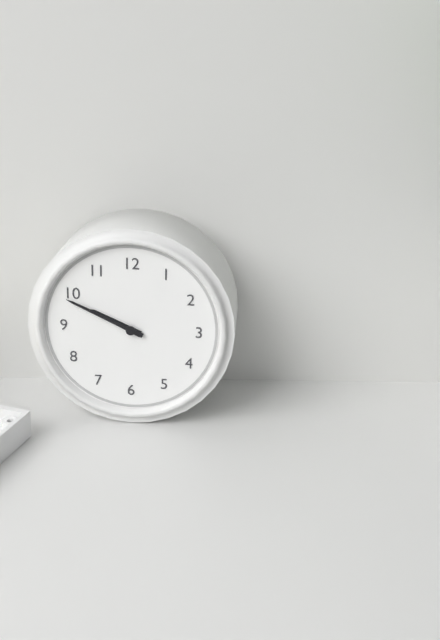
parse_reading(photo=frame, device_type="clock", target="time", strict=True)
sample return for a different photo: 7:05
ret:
9:49
